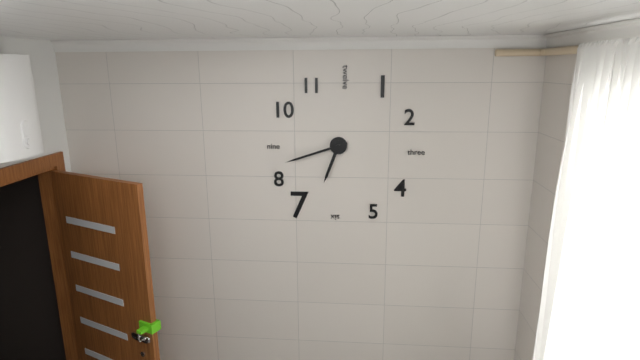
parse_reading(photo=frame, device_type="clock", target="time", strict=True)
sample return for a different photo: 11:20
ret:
6:42
